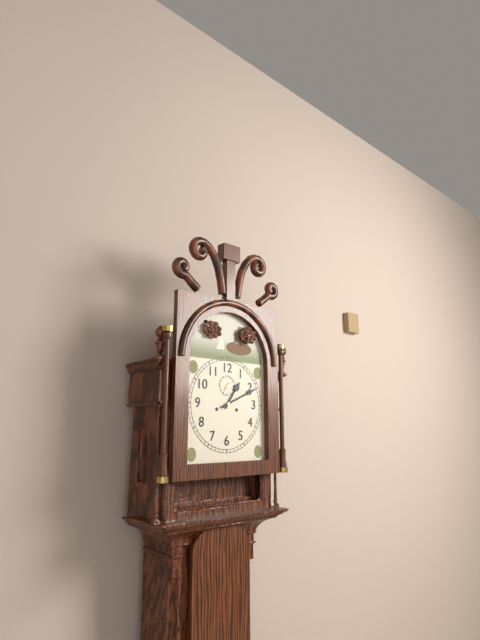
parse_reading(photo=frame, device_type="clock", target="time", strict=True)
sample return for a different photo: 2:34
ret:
1:11
